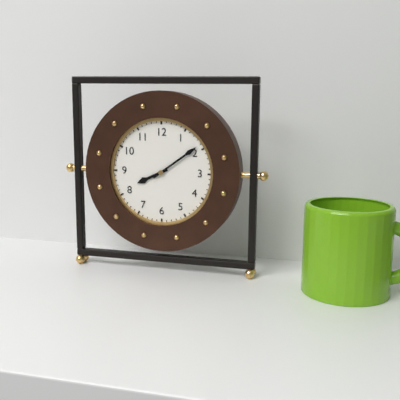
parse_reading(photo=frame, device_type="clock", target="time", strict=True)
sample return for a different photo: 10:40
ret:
8:09
